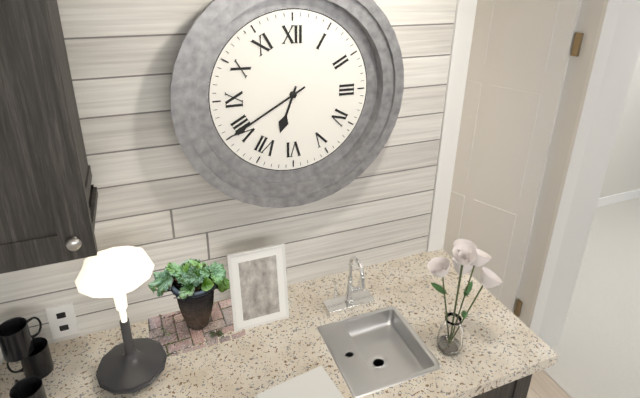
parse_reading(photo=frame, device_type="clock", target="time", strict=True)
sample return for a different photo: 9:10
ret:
6:40
